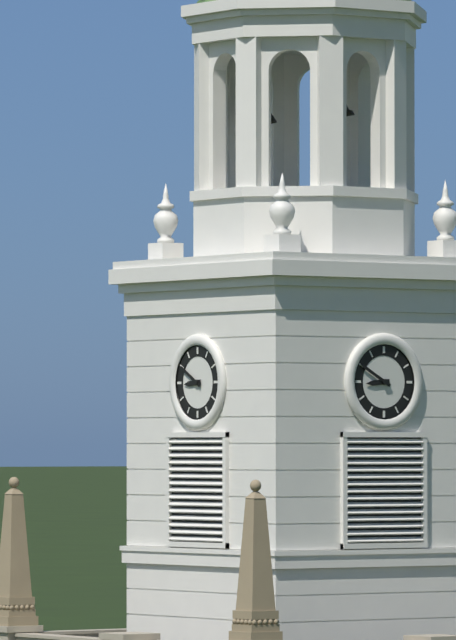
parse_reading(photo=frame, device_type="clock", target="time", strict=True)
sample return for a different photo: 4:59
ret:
8:50
